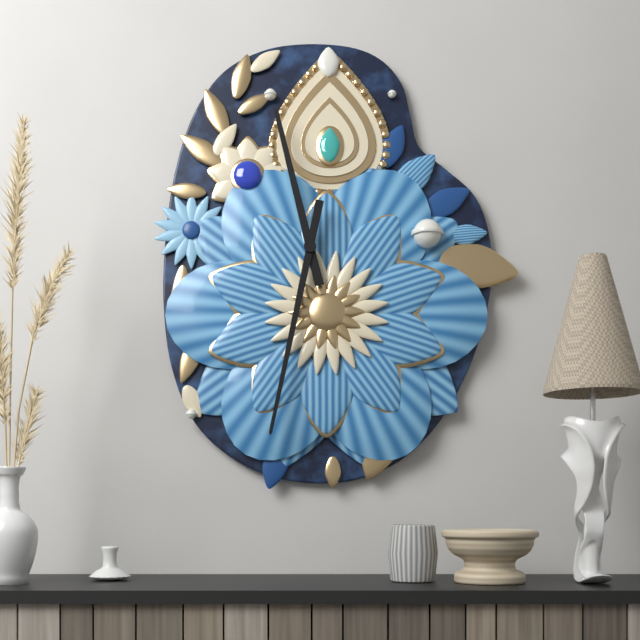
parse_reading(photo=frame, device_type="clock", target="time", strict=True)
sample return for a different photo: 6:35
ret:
11:32
